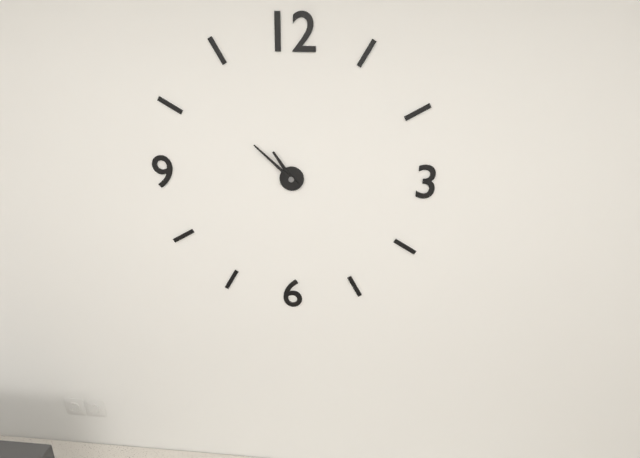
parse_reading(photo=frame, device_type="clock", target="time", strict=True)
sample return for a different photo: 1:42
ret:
10:52
